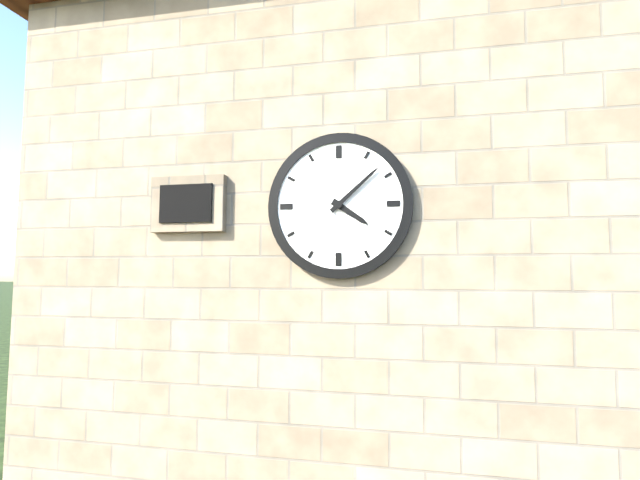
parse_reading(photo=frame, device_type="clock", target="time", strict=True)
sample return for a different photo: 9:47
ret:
4:08
